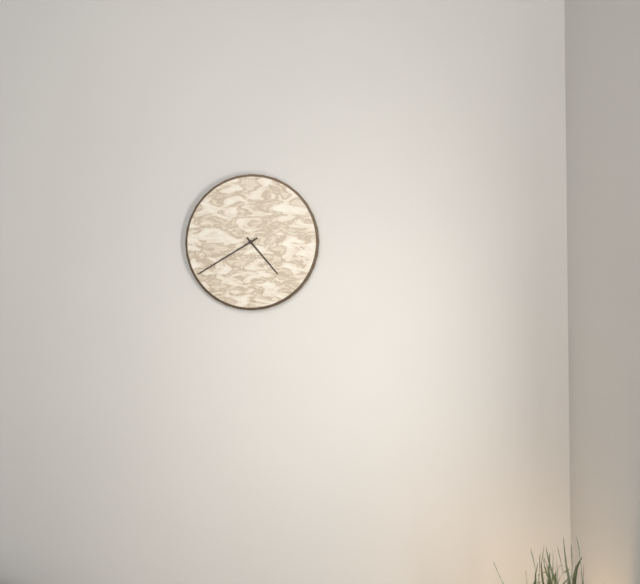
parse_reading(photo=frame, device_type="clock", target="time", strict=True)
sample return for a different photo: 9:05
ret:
4:40
